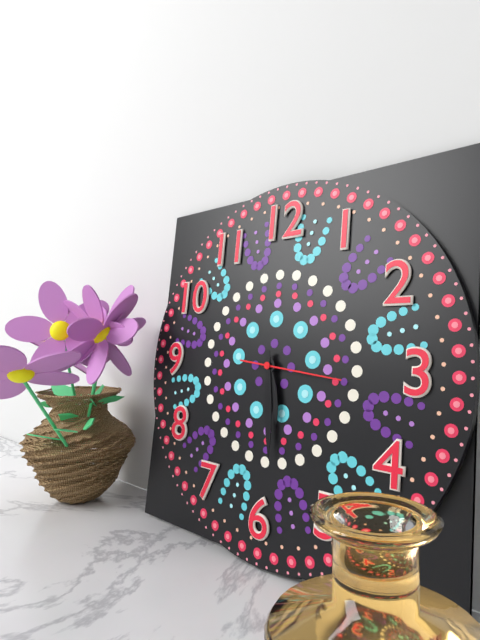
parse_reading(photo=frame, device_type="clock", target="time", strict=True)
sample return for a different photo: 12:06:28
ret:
5:29:16
